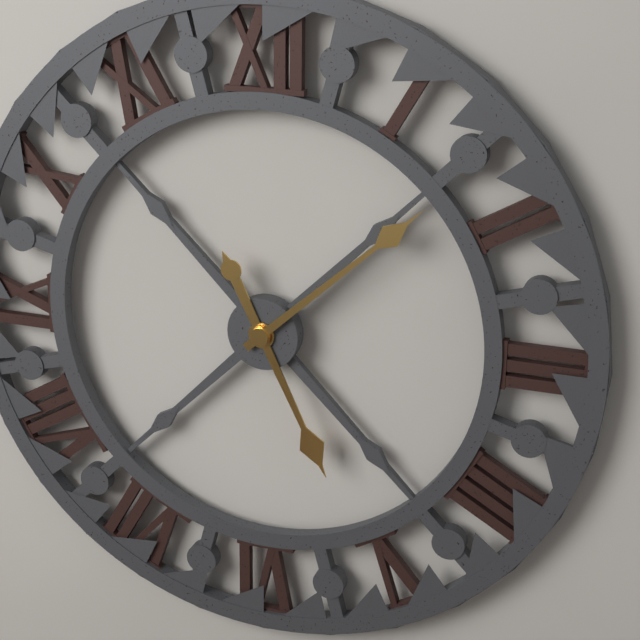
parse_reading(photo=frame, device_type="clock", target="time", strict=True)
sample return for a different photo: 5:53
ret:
5:08
